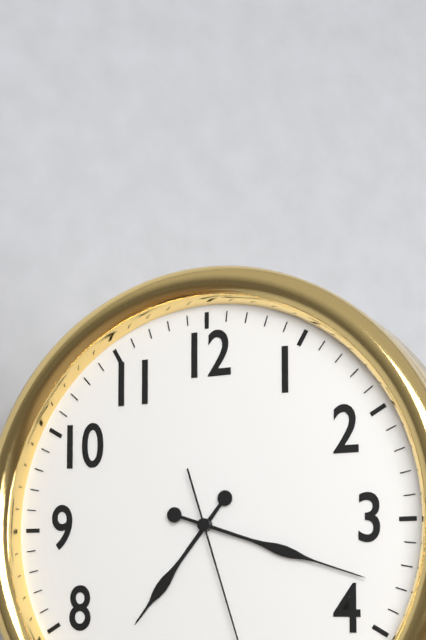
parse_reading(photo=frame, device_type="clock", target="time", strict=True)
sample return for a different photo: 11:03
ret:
7:18
